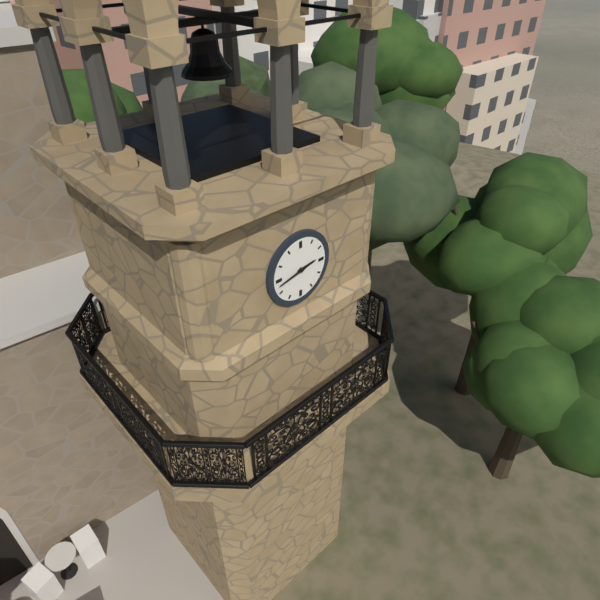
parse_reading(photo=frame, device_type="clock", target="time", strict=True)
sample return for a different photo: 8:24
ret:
2:43
